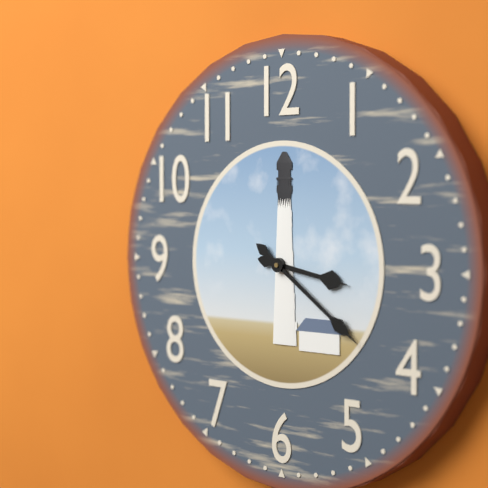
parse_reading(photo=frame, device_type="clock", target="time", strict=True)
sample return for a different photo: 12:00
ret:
3:21
